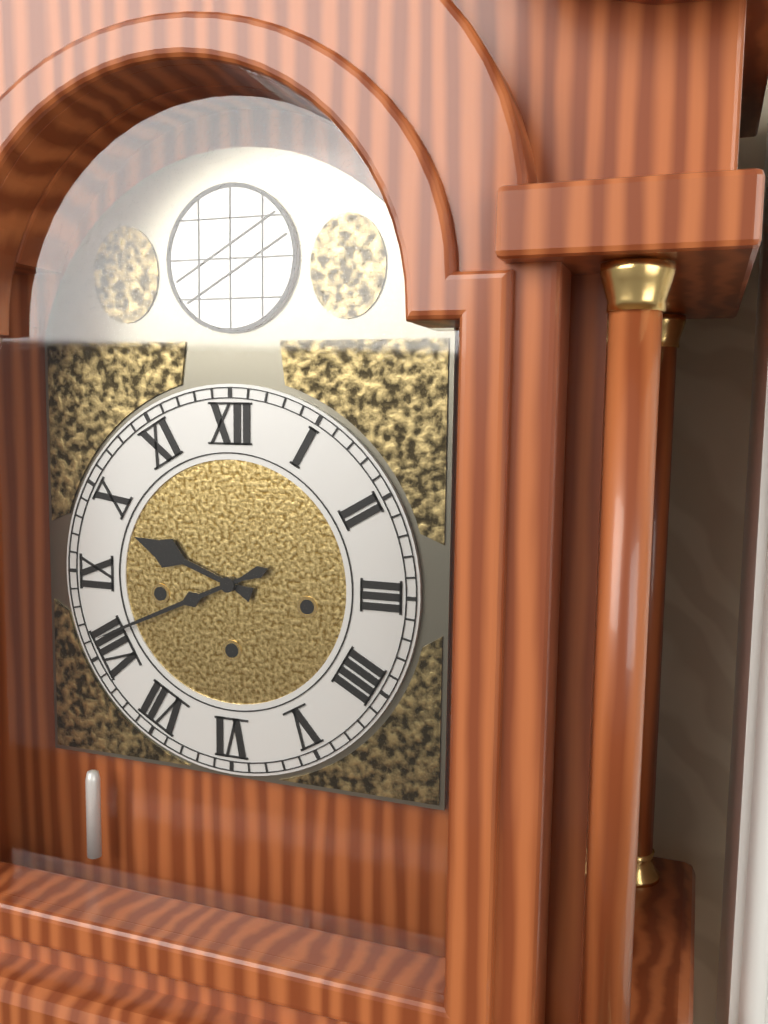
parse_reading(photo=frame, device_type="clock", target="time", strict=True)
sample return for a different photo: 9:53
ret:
9:41
